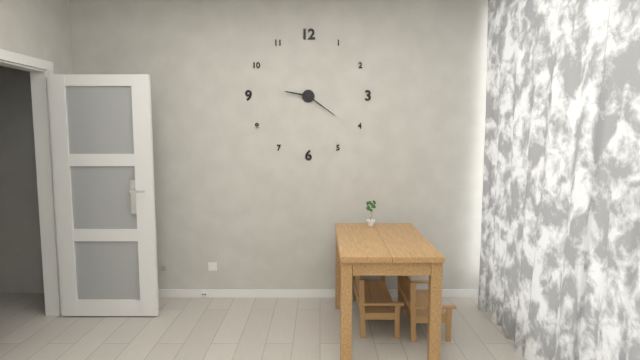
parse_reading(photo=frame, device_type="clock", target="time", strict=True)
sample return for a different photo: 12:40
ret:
9:21
